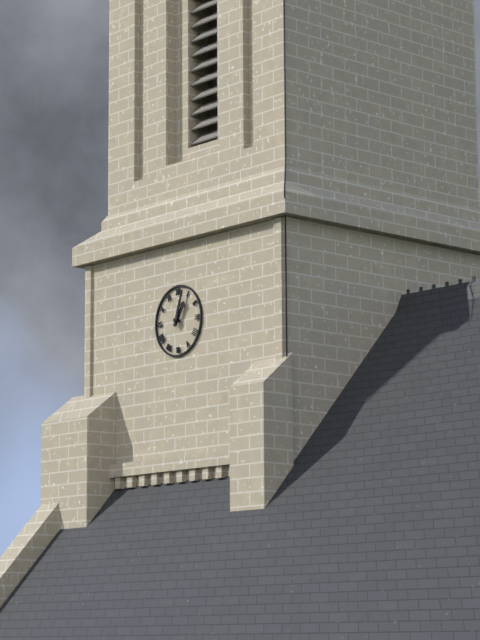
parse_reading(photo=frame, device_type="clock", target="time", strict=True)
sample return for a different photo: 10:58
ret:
1:03
